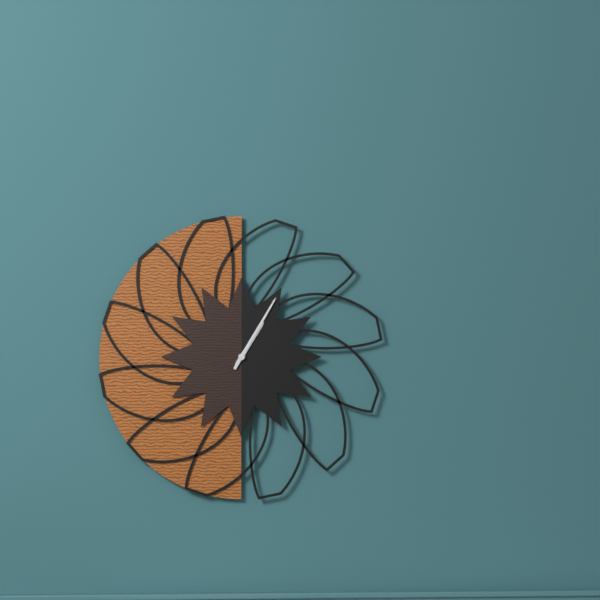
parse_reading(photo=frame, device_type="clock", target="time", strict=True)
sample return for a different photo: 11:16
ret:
1:05
